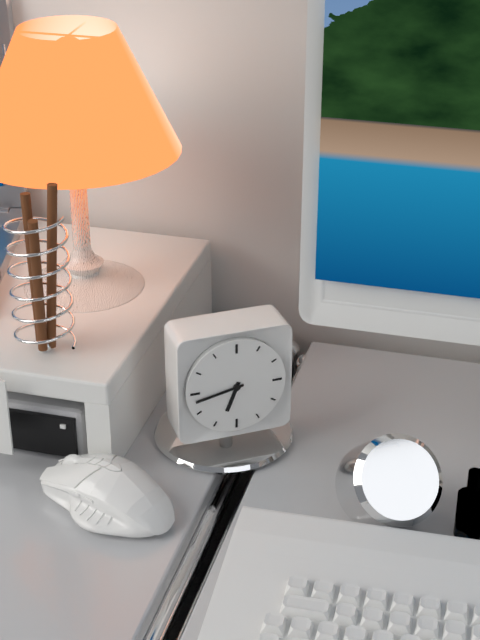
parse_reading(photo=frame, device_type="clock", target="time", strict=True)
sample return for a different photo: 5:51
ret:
6:43
